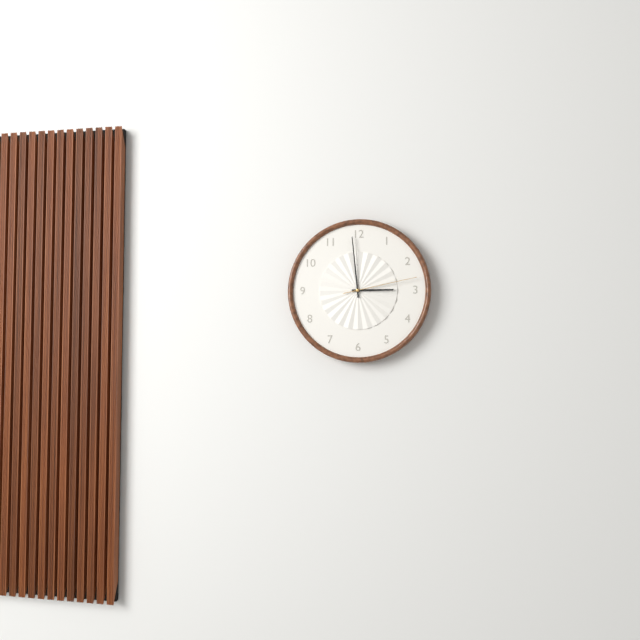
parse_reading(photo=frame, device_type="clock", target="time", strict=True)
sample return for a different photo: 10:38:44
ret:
2:59:13
